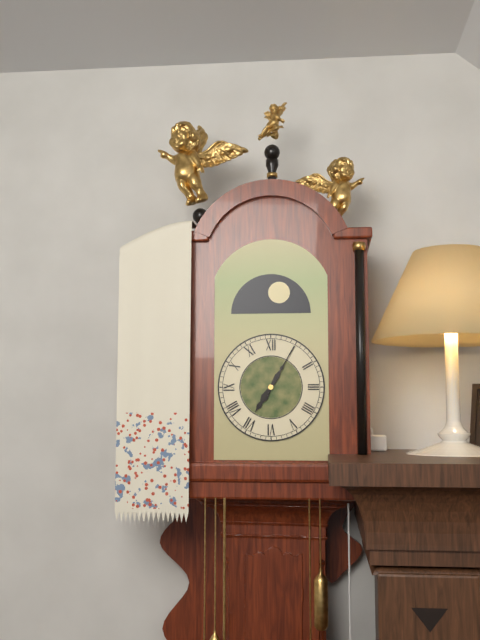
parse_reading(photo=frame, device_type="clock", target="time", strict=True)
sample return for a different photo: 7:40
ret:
7:05
